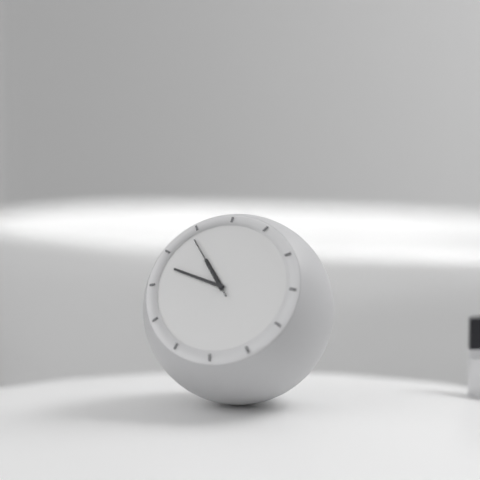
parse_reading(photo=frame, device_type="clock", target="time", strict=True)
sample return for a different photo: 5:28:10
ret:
10:48:54
